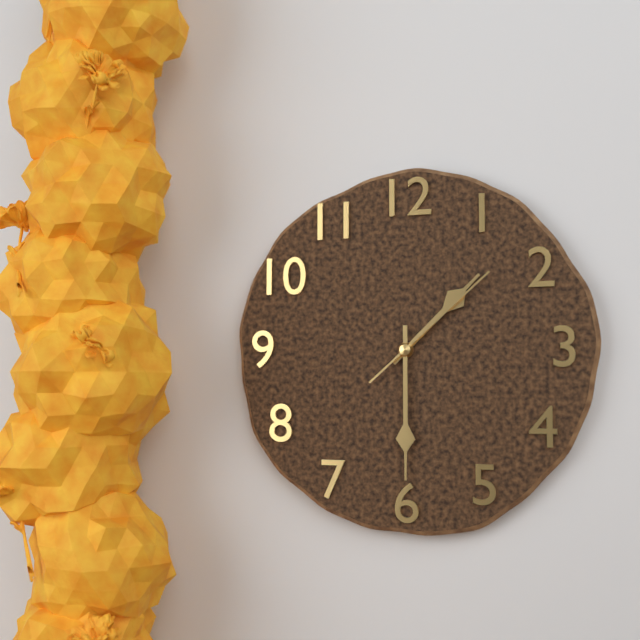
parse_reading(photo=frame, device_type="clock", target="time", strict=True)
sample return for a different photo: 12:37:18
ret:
1:30:08
